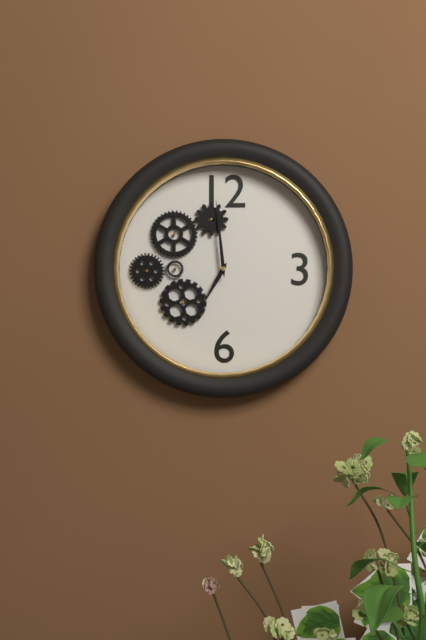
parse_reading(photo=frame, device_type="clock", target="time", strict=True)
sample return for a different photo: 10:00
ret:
6:59
